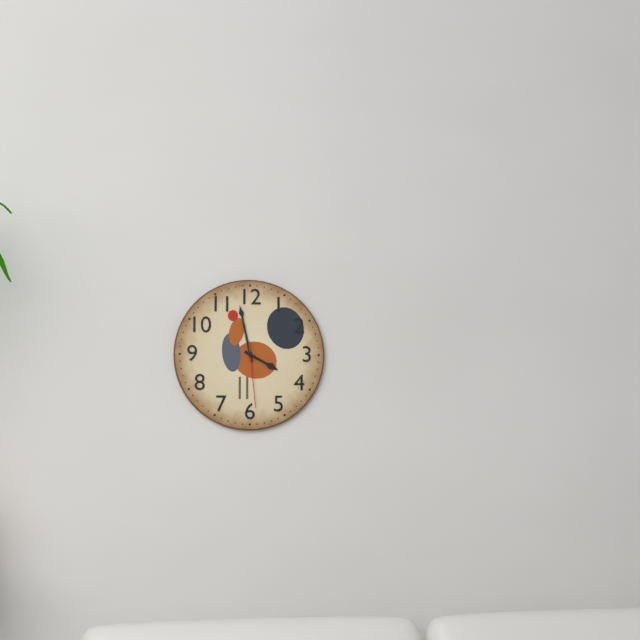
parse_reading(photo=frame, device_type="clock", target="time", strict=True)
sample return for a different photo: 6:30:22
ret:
3:58:29
